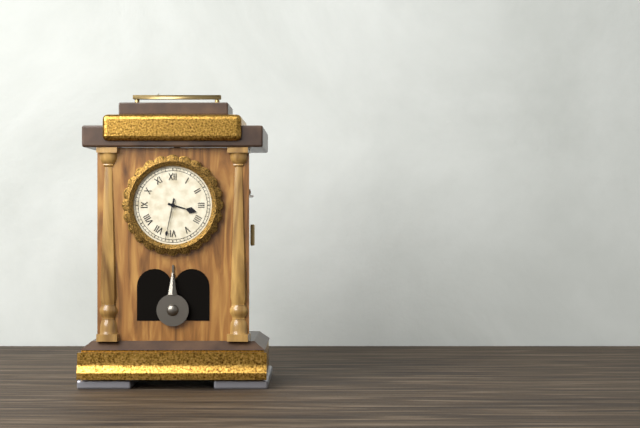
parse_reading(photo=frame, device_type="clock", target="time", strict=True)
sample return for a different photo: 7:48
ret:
3:32
